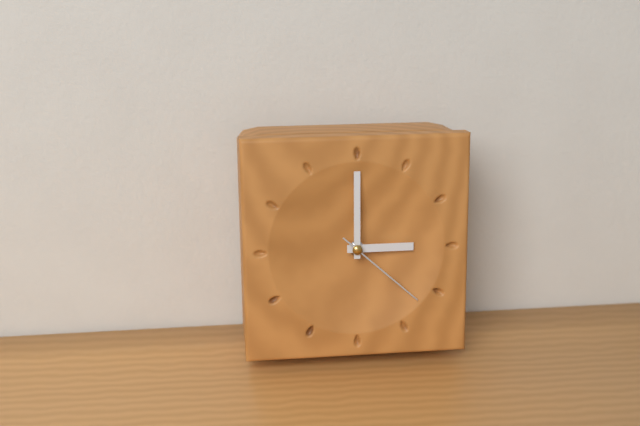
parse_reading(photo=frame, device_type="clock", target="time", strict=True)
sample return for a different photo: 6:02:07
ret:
3:00:22
